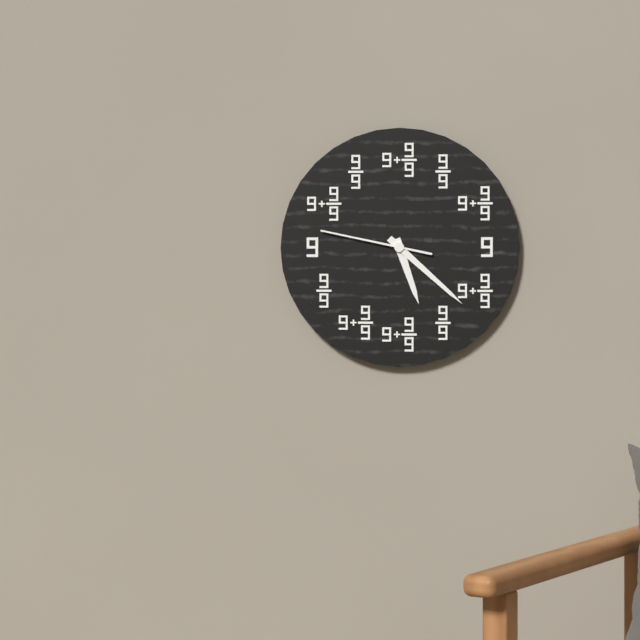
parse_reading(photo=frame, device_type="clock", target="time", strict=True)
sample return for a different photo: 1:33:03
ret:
5:22:47
